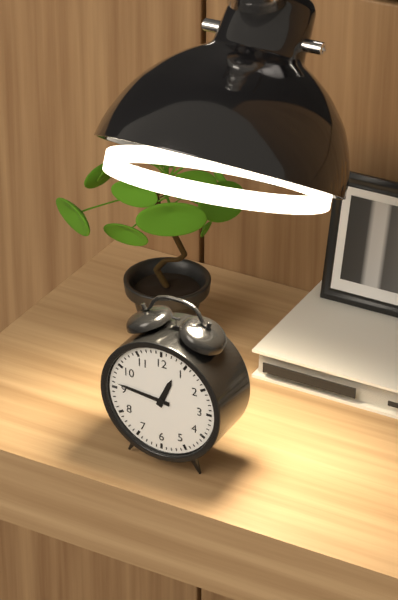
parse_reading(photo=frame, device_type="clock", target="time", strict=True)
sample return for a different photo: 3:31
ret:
12:46
